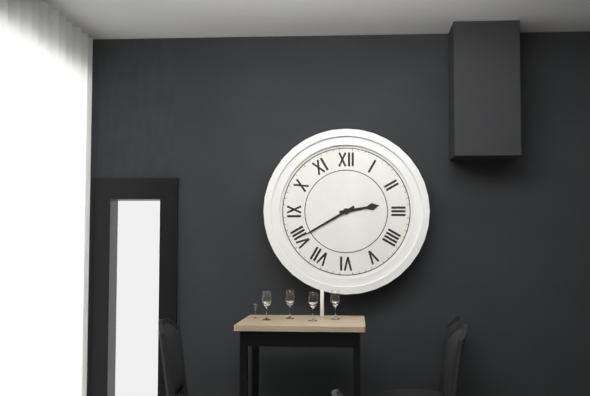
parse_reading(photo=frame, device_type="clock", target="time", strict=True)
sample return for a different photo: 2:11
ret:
2:40
